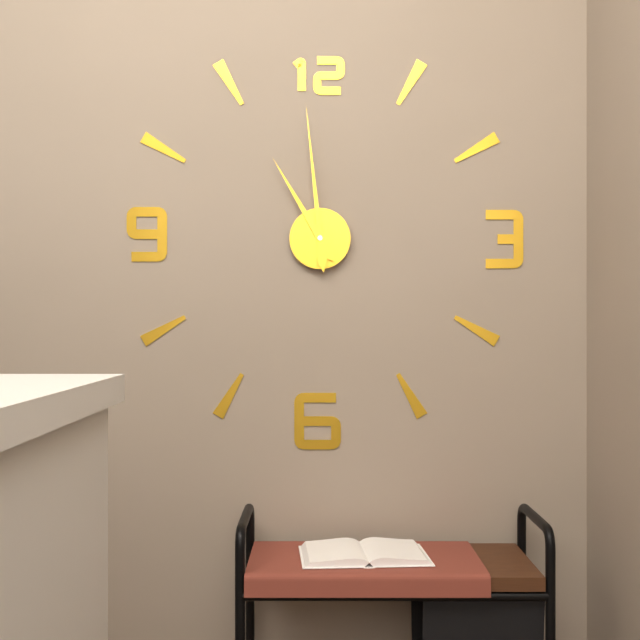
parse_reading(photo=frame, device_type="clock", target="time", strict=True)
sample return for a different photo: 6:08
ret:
10:59
